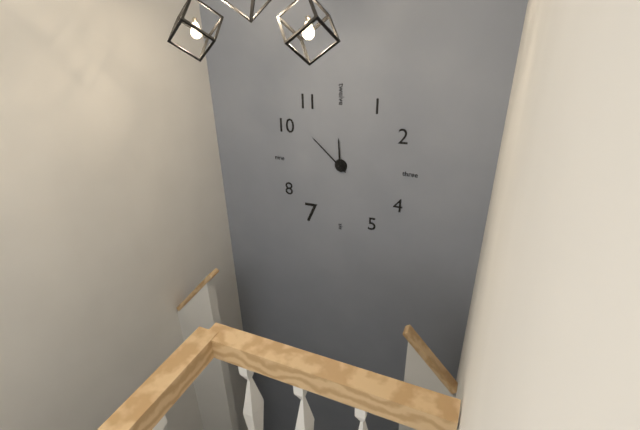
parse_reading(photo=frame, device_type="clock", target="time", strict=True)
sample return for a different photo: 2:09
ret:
11:52
